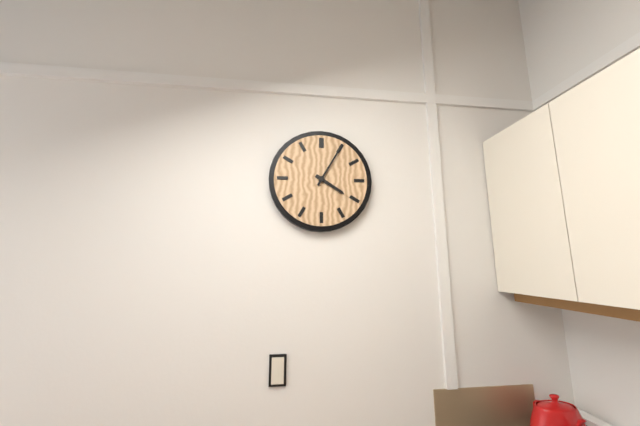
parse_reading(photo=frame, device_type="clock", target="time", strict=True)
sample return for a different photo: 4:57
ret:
4:05
